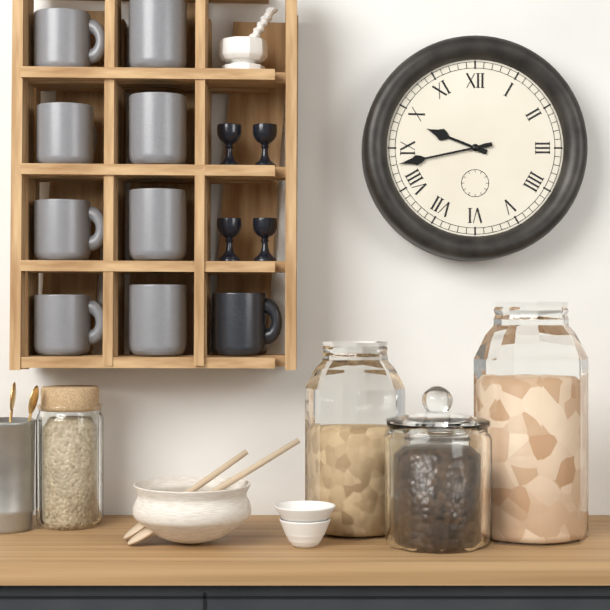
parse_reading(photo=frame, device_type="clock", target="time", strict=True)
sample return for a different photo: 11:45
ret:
9:43
